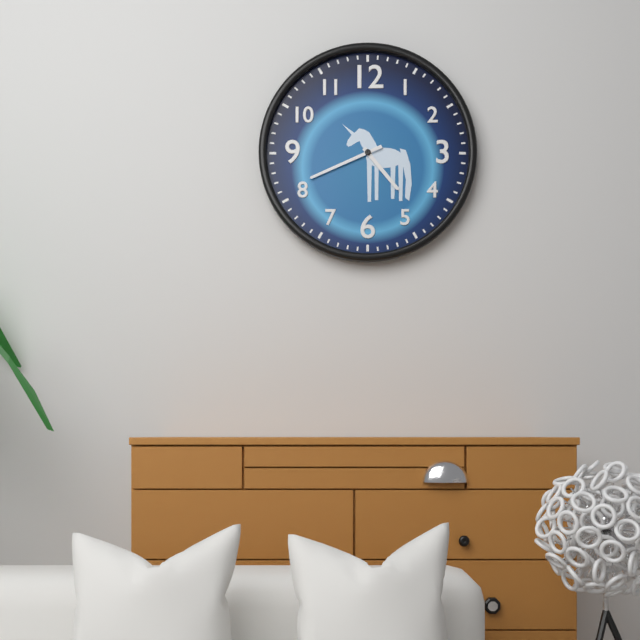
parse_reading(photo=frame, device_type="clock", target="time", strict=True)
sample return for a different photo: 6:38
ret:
4:41
